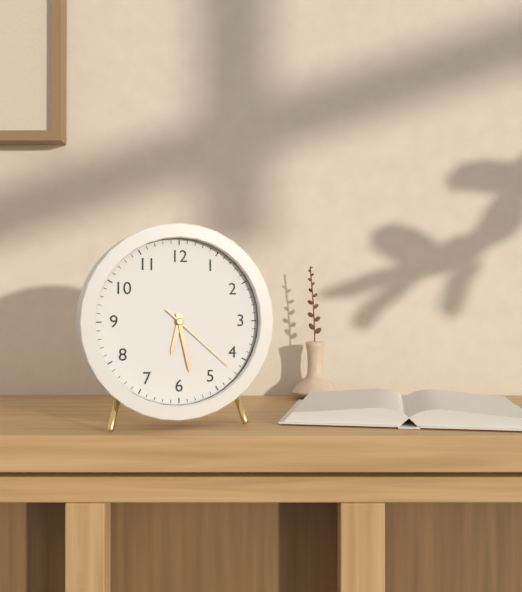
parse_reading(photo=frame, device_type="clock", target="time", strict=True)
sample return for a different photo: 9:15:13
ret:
6:28:22
